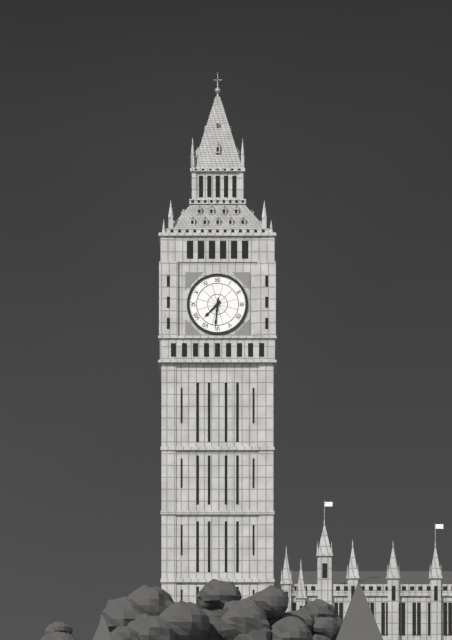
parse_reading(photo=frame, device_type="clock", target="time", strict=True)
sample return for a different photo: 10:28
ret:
7:31
